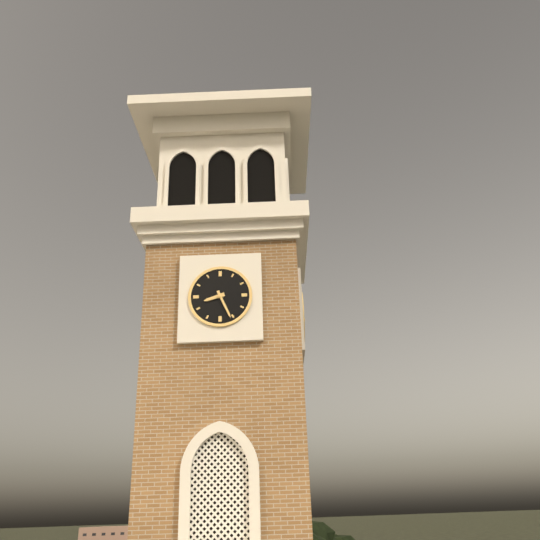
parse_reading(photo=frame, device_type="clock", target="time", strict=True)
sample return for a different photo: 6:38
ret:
8:26
